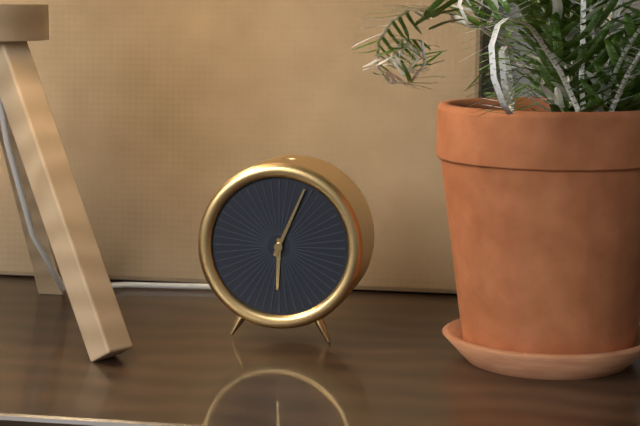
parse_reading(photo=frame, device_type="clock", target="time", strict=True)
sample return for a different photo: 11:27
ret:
6:04
